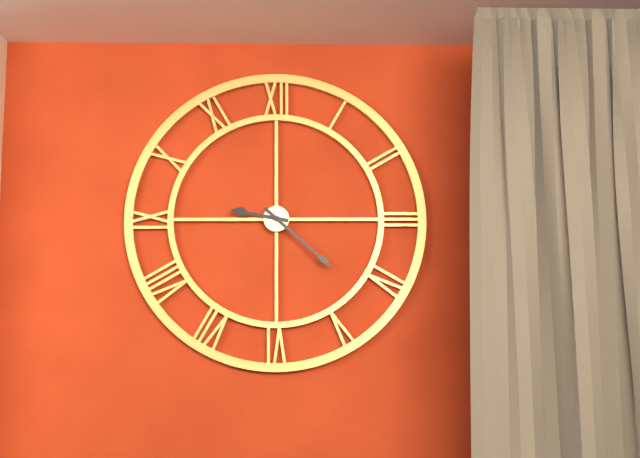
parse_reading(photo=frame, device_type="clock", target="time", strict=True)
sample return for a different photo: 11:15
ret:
9:22
